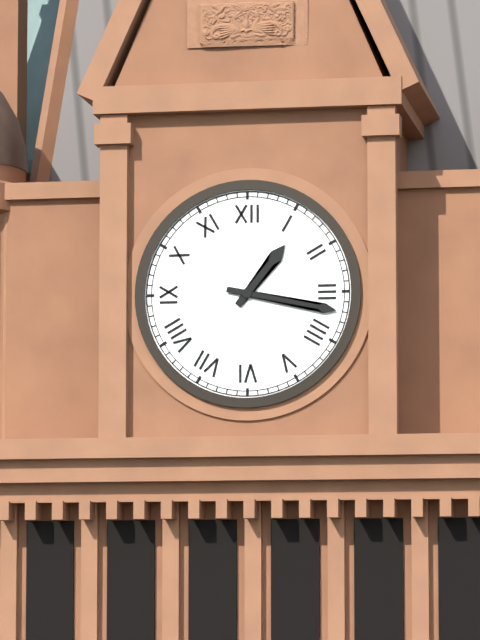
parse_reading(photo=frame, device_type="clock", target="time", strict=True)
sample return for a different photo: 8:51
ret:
1:17
